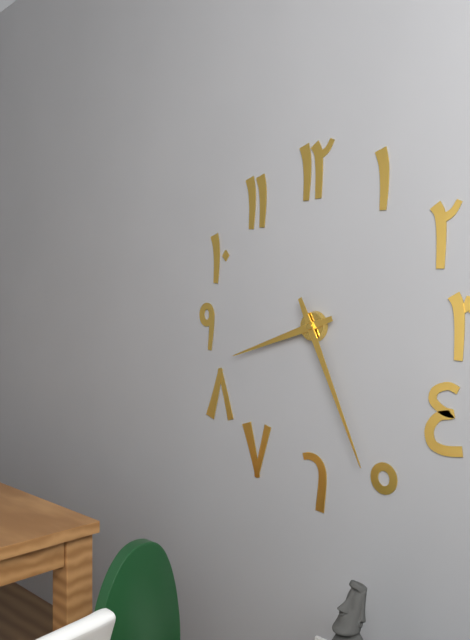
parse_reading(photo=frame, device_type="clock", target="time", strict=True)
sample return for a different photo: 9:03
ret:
8:26
